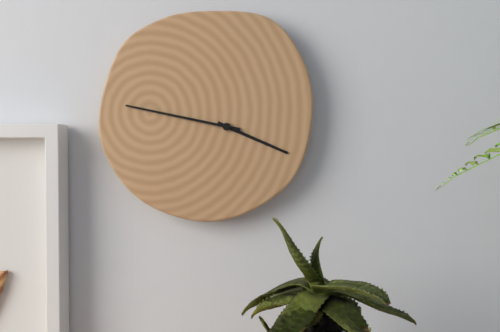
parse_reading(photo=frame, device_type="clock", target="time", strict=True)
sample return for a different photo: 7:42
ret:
3:47
